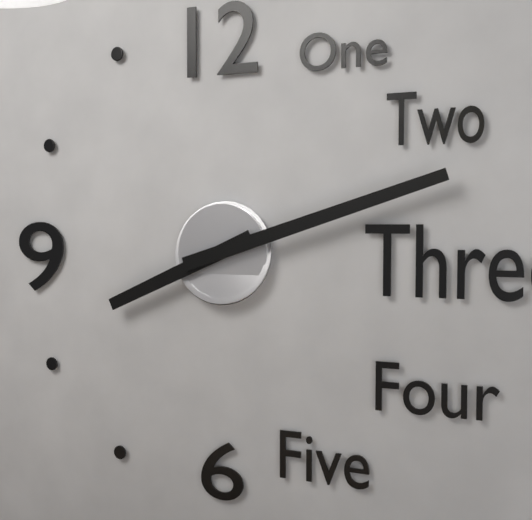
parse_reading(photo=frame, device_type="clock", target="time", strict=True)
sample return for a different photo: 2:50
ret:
8:12
